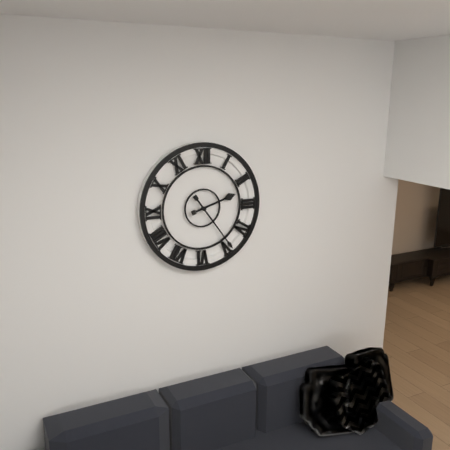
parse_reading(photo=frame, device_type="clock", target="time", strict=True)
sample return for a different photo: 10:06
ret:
2:24
